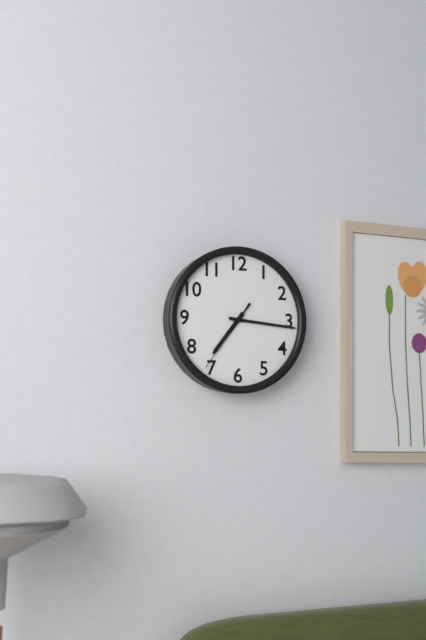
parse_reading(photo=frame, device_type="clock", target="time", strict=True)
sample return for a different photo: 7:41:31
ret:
7:16:36
